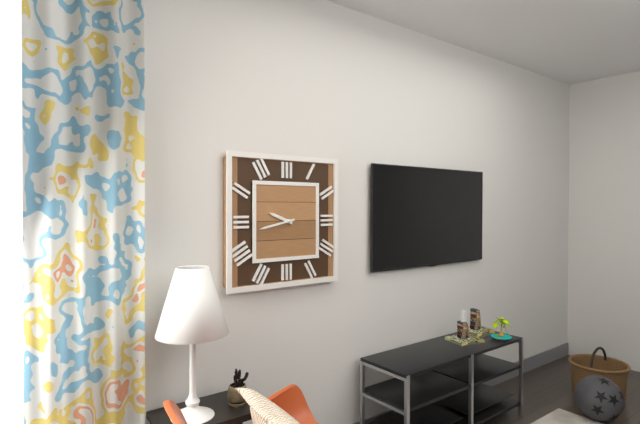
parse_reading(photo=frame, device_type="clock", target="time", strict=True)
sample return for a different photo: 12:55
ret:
9:43
